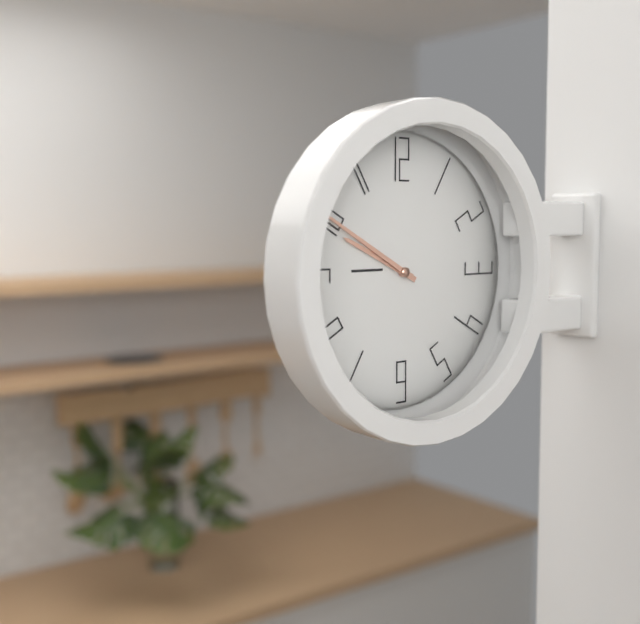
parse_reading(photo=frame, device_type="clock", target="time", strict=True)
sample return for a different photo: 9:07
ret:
9:50
